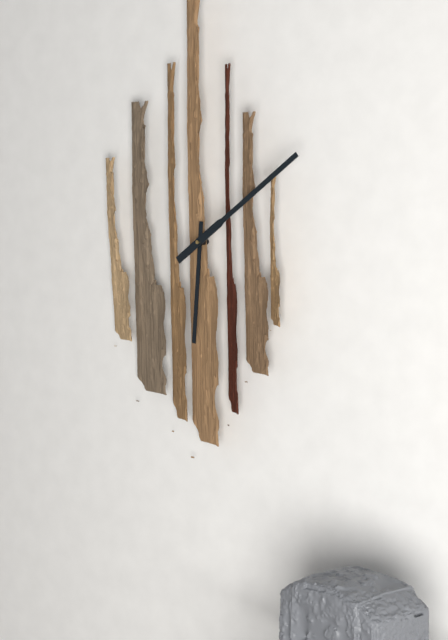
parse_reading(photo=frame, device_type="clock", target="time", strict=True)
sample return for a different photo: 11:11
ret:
6:09
